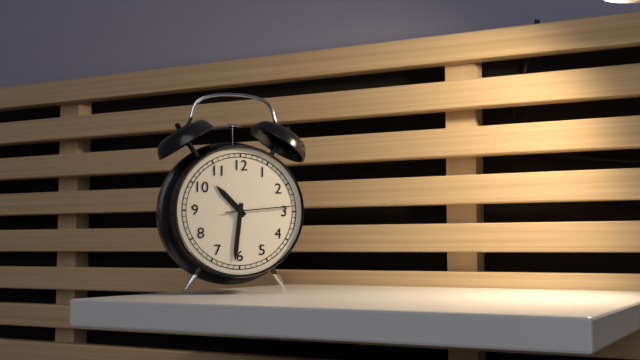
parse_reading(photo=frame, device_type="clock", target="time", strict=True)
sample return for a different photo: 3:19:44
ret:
10:31:14
